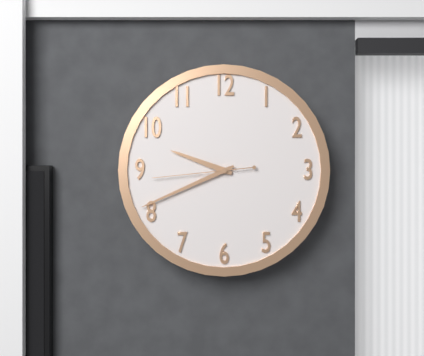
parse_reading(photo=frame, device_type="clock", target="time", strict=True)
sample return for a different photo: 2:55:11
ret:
9:41:44
